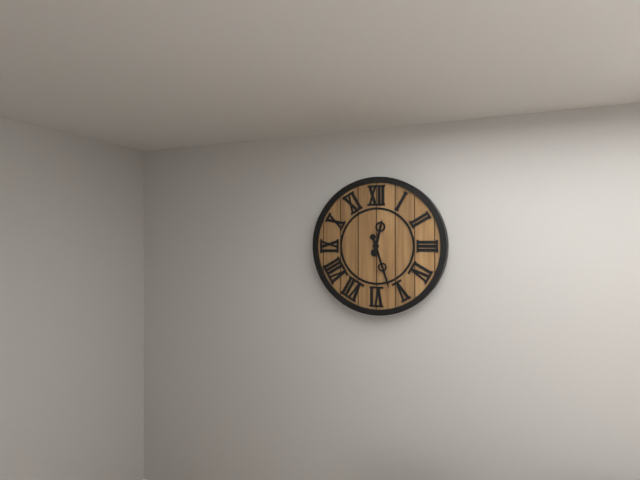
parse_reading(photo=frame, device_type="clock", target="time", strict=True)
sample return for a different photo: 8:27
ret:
12:27
